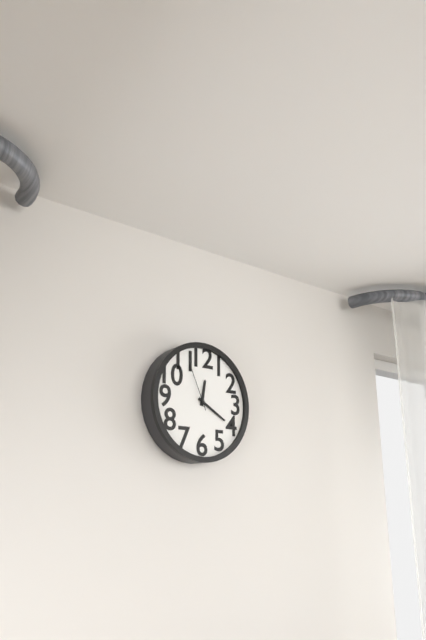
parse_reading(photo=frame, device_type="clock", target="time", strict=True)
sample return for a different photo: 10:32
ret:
12:20
